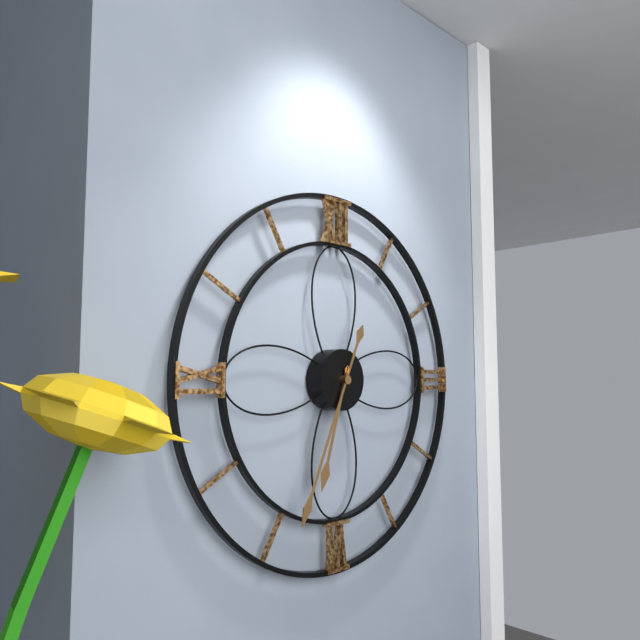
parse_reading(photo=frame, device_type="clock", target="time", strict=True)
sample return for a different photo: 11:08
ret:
6:34
